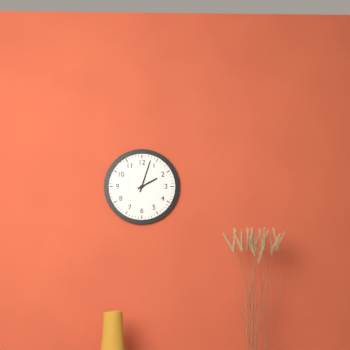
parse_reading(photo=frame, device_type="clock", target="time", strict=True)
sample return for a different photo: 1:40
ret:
2:03
